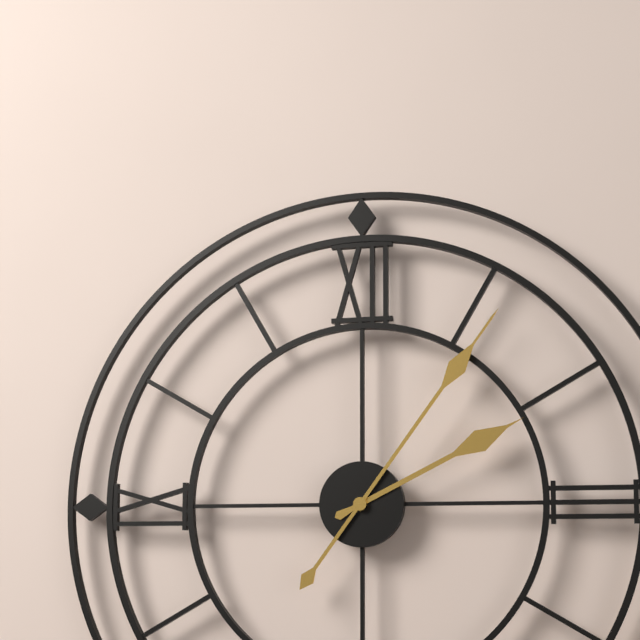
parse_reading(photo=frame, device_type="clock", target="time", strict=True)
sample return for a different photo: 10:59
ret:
2:06
